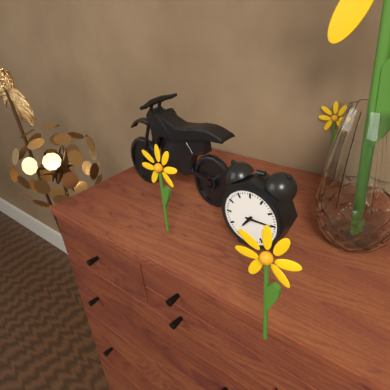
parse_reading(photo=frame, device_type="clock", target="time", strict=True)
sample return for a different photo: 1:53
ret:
7:15
